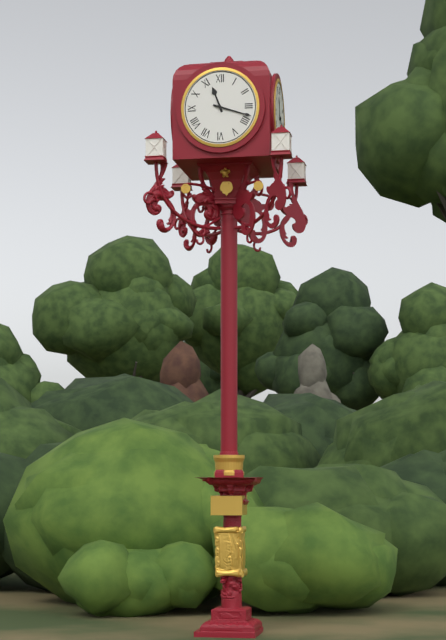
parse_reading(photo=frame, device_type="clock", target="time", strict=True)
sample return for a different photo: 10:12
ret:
11:18
